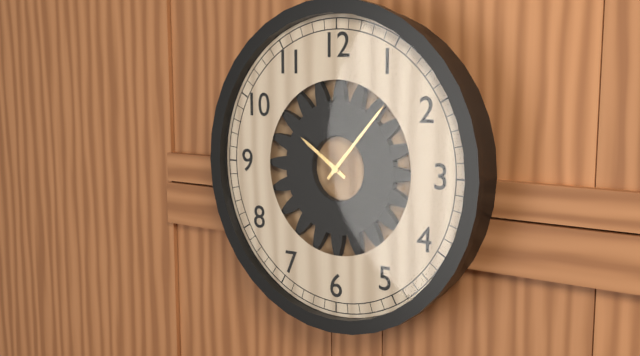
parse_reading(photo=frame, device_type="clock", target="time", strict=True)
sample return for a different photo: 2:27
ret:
10:07
